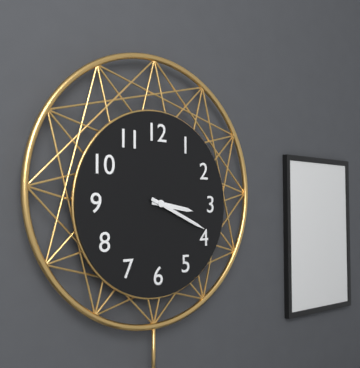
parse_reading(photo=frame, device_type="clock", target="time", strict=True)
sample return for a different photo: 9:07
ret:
3:19
